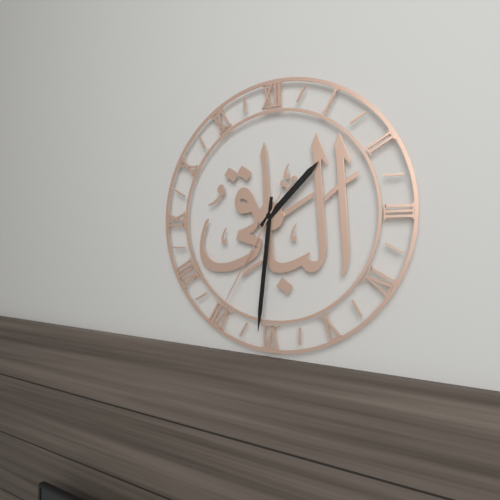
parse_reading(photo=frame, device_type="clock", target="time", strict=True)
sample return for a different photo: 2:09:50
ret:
1:31:35
